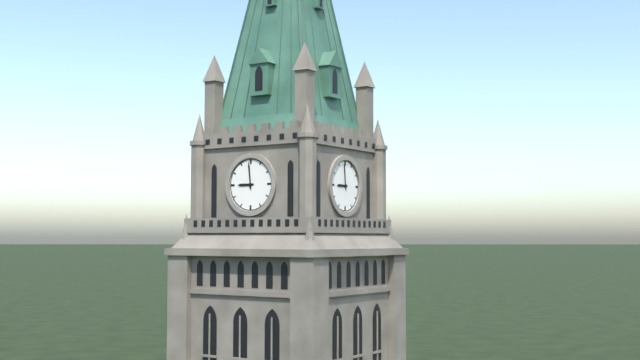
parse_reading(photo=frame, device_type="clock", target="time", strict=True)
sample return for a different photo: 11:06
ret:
8:59
